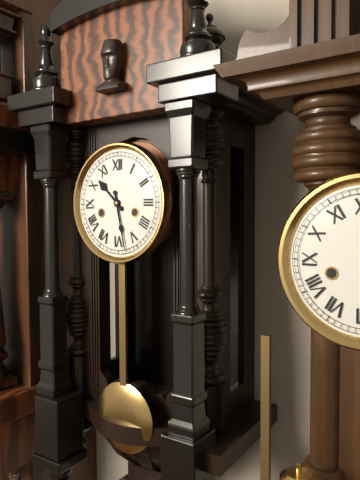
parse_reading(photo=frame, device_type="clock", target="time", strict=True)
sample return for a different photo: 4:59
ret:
10:28
